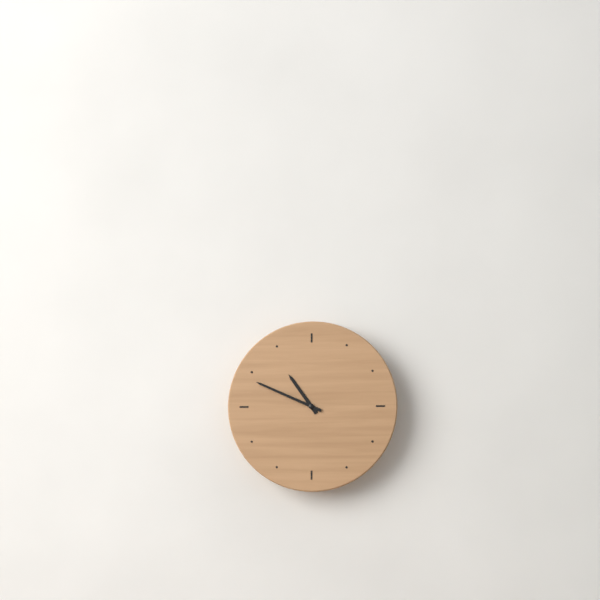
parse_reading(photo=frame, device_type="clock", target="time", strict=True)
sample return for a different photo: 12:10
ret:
10:49
